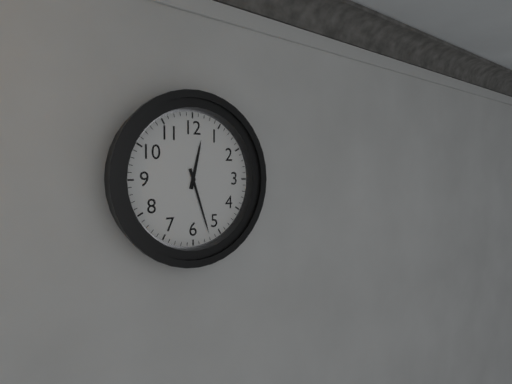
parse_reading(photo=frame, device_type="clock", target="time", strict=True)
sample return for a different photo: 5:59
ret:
12:27
